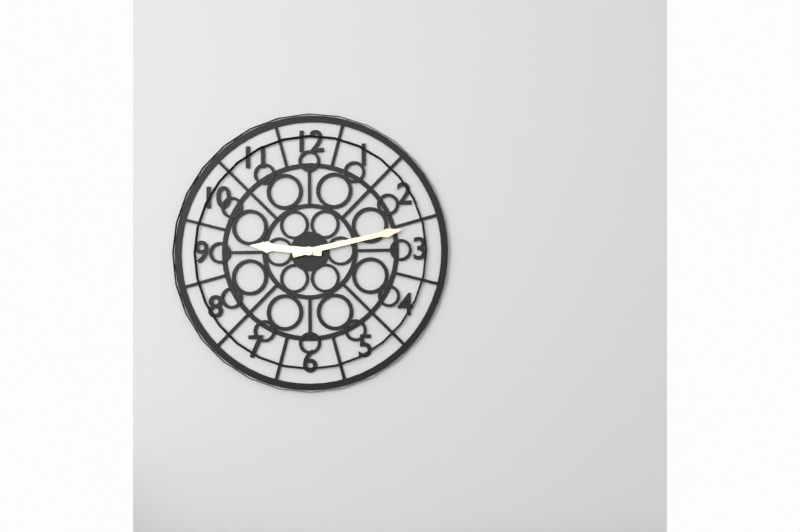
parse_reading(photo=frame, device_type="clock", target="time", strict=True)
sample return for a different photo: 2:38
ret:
9:13
